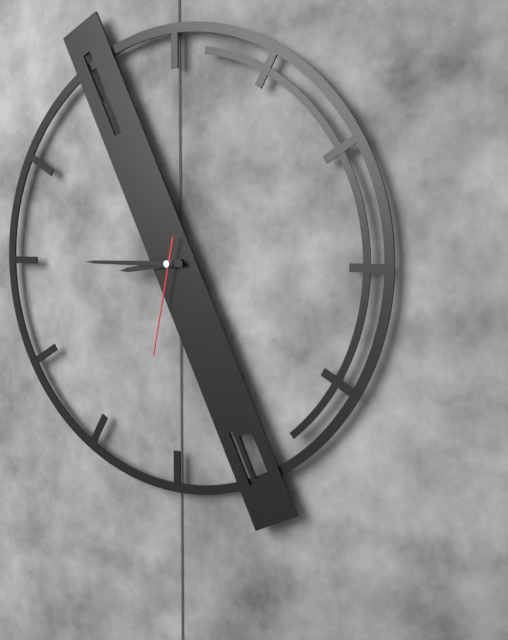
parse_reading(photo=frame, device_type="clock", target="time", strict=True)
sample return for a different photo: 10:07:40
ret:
8:45:32
